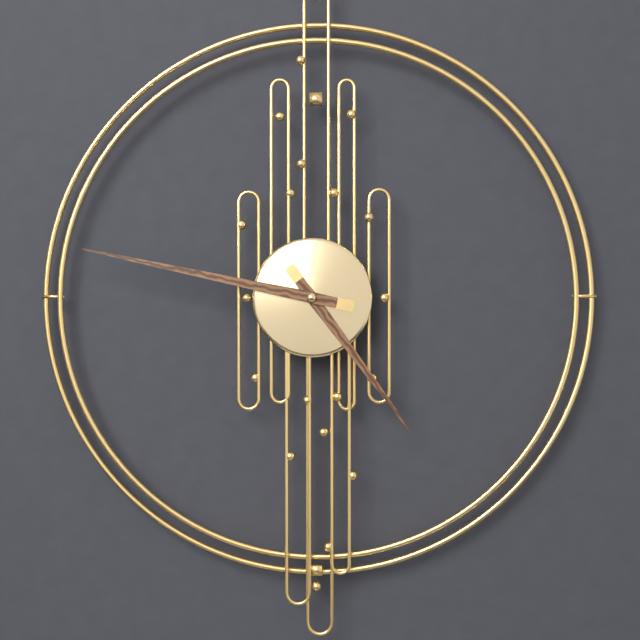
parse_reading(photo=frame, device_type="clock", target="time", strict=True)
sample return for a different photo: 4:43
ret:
4:47
